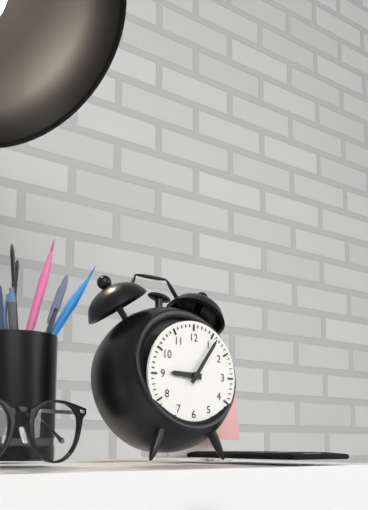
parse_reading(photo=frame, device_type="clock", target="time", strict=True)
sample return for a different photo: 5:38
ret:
9:06
